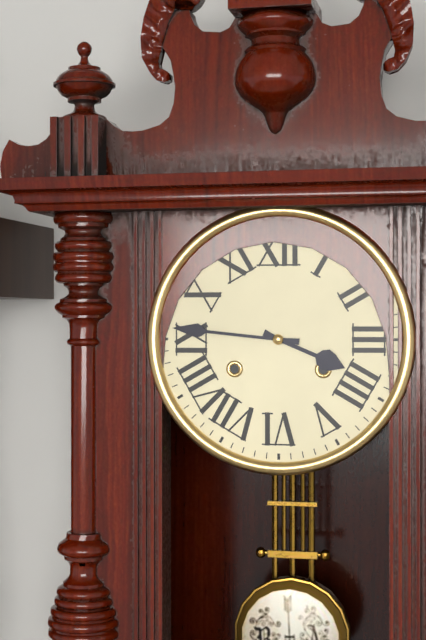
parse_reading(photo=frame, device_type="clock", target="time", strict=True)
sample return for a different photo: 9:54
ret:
3:46
